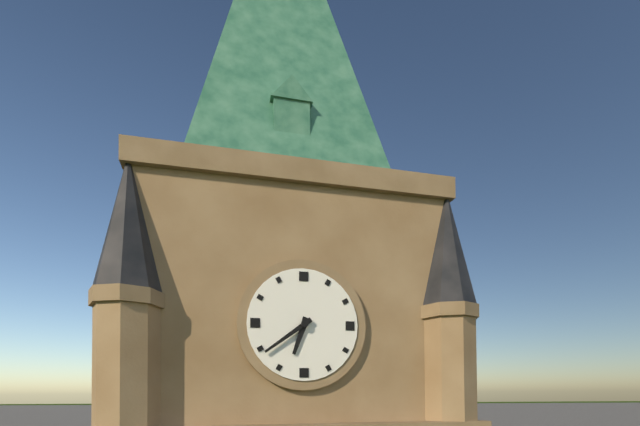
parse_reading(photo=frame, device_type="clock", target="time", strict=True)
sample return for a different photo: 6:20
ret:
6:39
